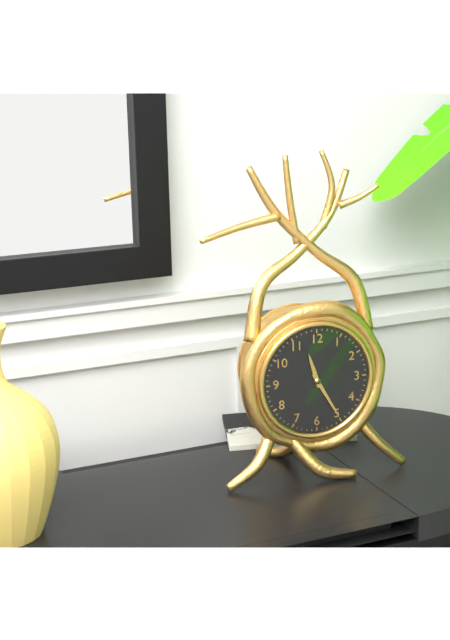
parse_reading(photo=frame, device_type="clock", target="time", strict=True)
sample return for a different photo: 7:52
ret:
11:25
